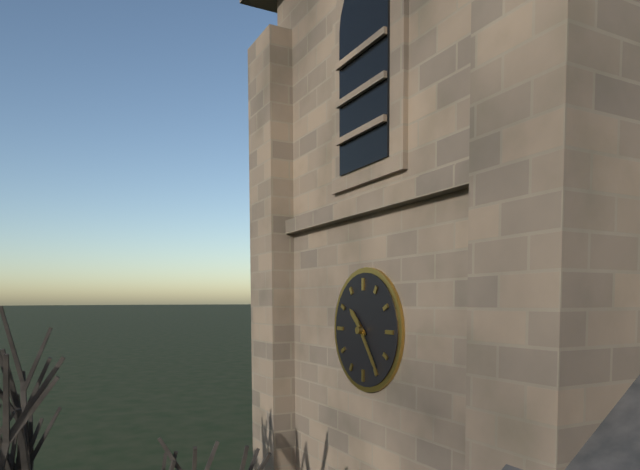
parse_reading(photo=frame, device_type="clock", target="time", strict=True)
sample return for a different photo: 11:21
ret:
10:24
